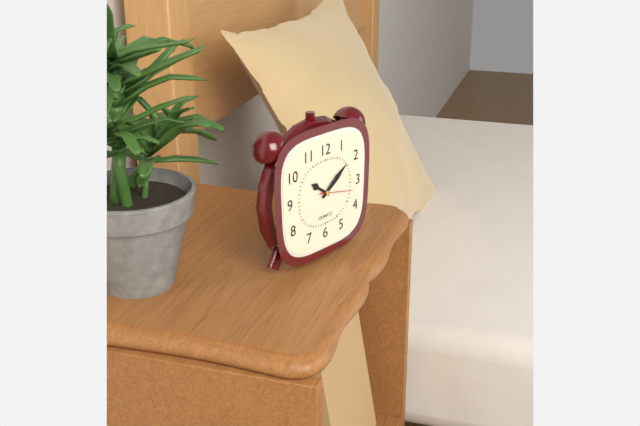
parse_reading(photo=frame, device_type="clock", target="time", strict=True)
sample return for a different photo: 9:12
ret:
10:09
